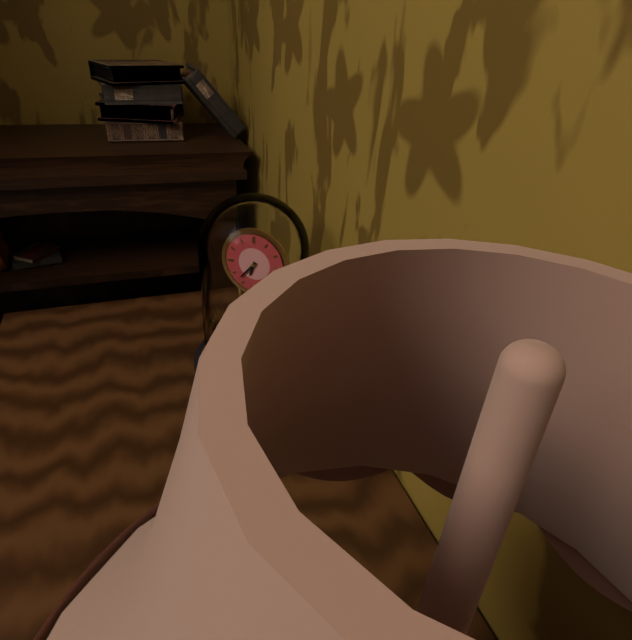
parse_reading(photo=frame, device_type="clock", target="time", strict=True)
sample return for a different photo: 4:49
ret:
6:37
